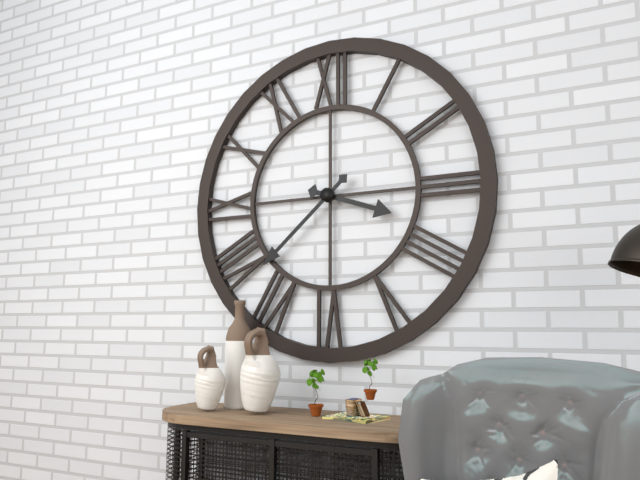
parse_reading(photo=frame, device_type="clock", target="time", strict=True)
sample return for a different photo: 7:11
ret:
3:38
